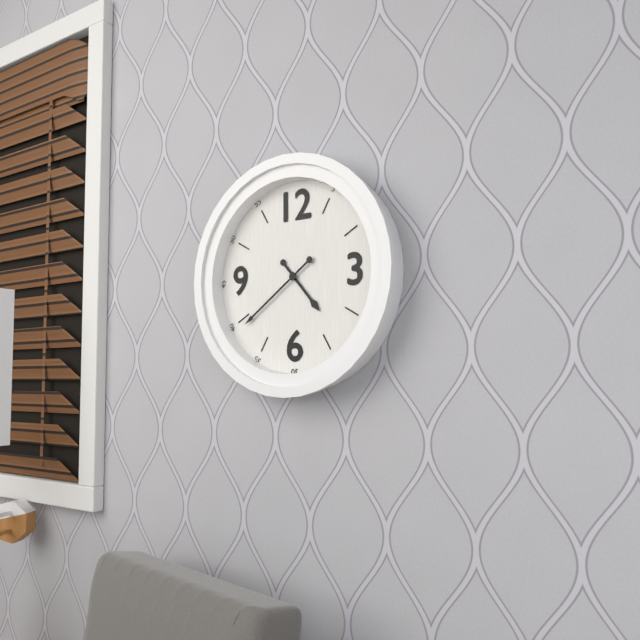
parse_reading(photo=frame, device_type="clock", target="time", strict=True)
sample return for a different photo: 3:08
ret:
4:39
